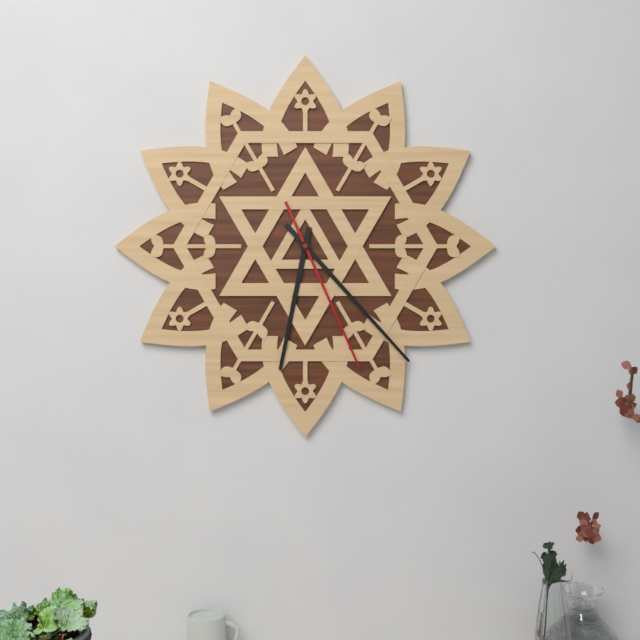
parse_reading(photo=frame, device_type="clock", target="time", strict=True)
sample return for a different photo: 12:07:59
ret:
6:23:26
